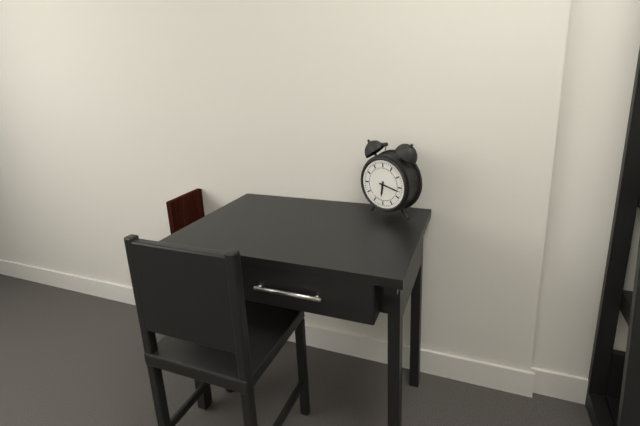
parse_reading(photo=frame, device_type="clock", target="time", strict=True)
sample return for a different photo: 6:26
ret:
6:17
